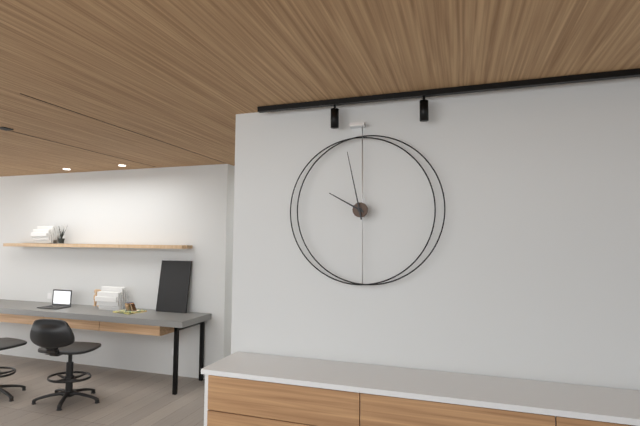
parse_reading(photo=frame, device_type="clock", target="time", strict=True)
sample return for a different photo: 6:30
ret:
9:58
